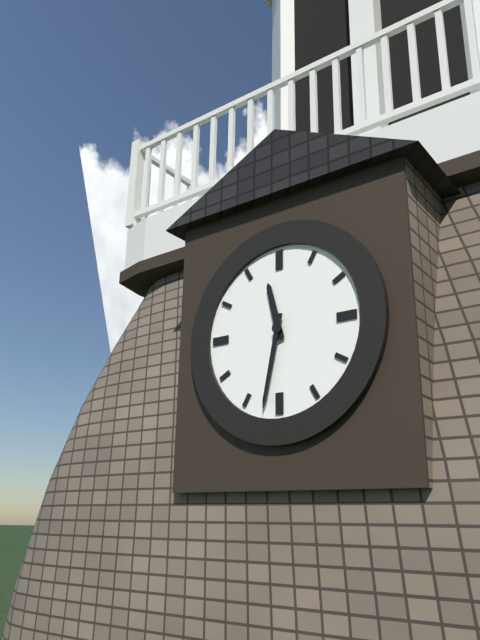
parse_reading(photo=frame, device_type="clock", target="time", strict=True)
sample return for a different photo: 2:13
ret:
11:32
